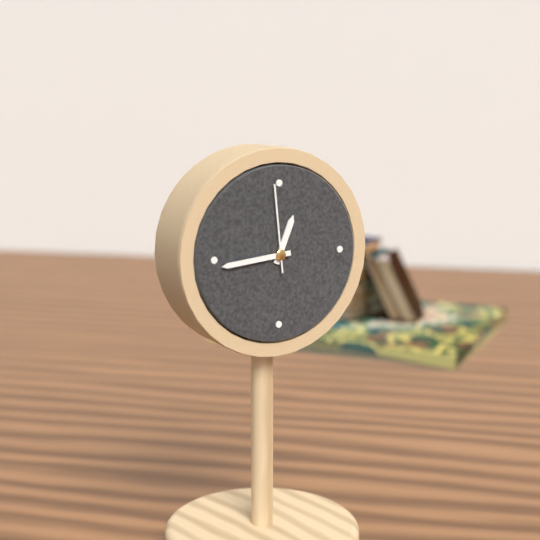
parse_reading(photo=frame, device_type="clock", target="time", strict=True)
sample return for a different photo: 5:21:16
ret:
12:44:59
